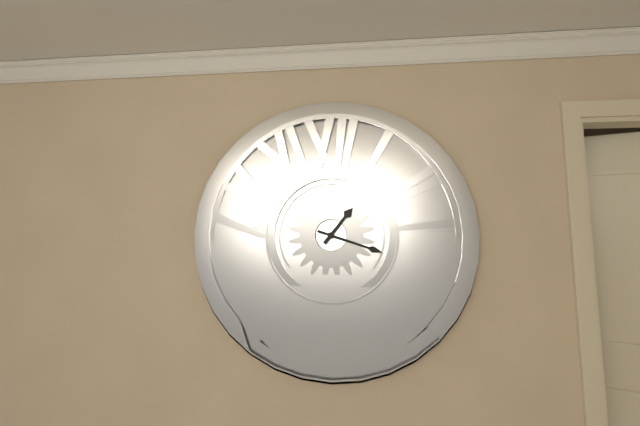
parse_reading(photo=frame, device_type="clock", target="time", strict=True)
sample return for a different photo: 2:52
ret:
1:18
